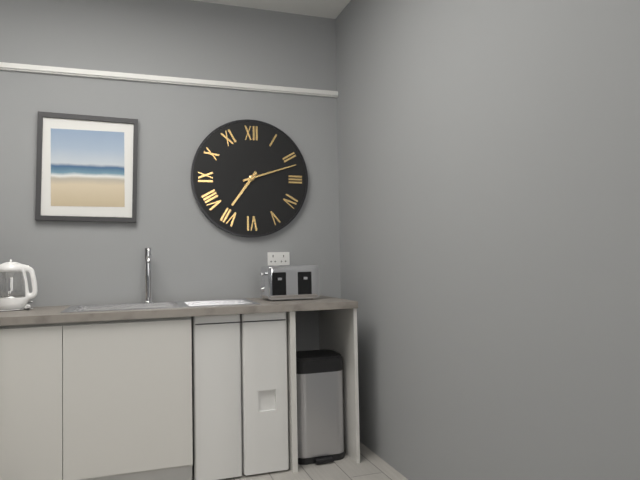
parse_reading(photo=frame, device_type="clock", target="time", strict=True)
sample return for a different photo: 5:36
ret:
7:12
